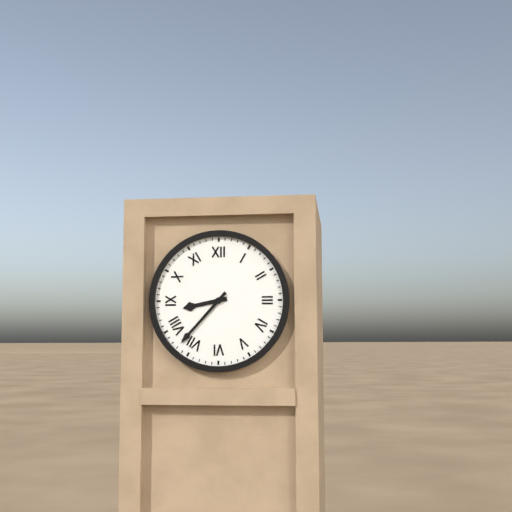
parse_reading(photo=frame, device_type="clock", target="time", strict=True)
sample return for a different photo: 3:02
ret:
8:37
